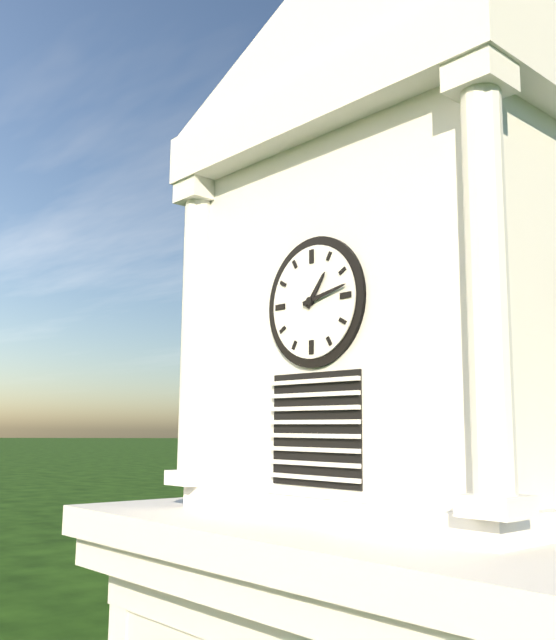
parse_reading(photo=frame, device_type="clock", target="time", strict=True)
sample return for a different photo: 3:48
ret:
1:13
